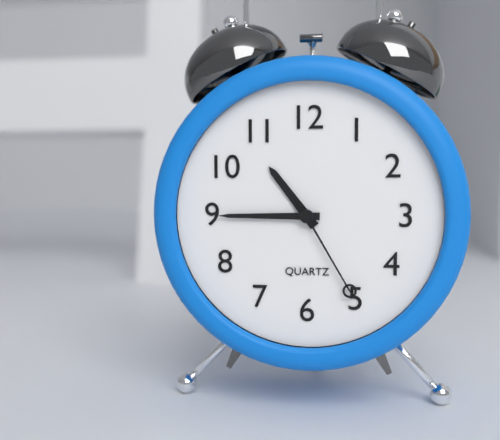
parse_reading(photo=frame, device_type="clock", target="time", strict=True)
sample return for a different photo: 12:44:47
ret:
10:45:25
